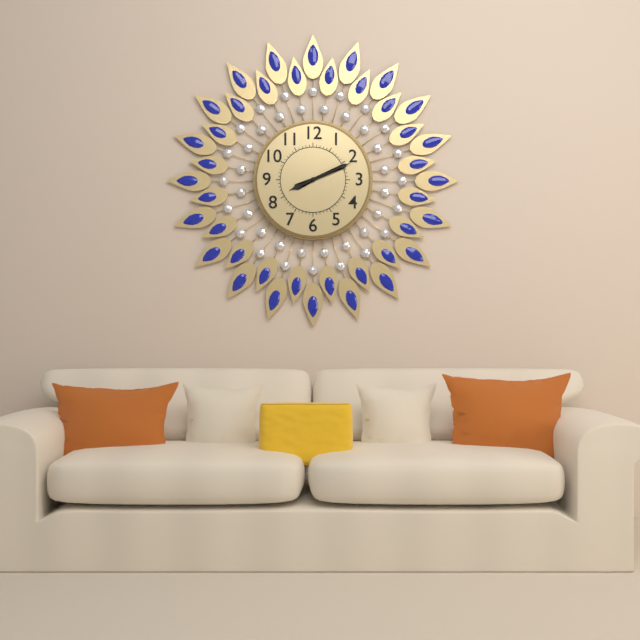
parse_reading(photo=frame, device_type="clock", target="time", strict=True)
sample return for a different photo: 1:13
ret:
8:11
